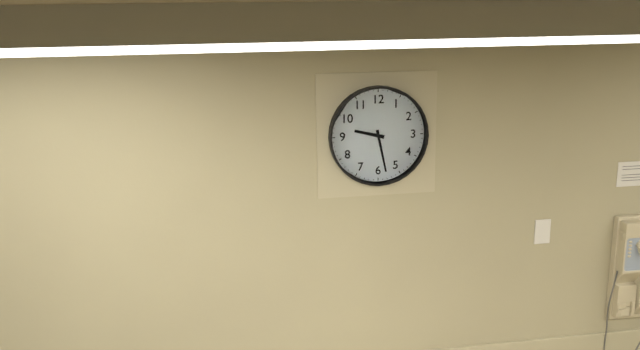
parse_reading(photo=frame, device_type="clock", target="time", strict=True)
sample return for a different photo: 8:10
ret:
9:28
